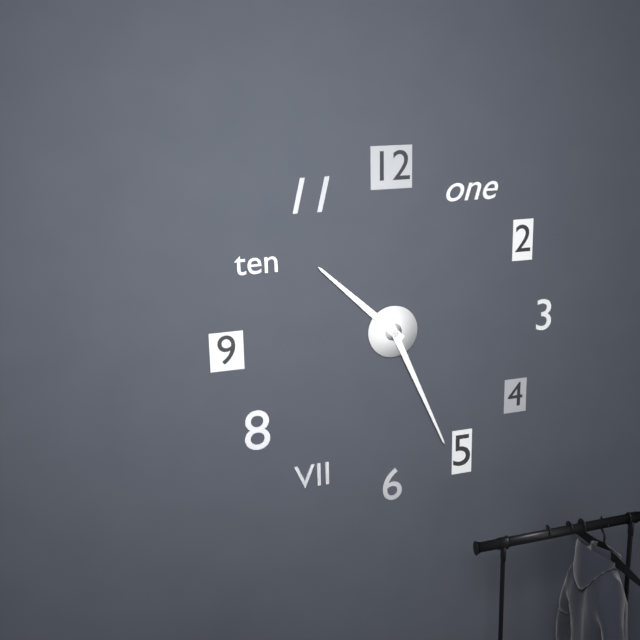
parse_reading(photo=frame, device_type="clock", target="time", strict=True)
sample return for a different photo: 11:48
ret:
10:26
